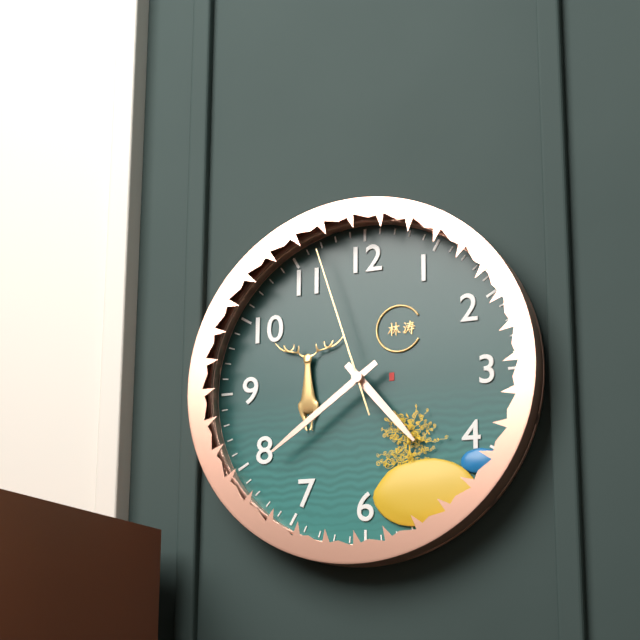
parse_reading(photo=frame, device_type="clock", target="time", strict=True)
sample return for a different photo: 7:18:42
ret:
4:39:57
